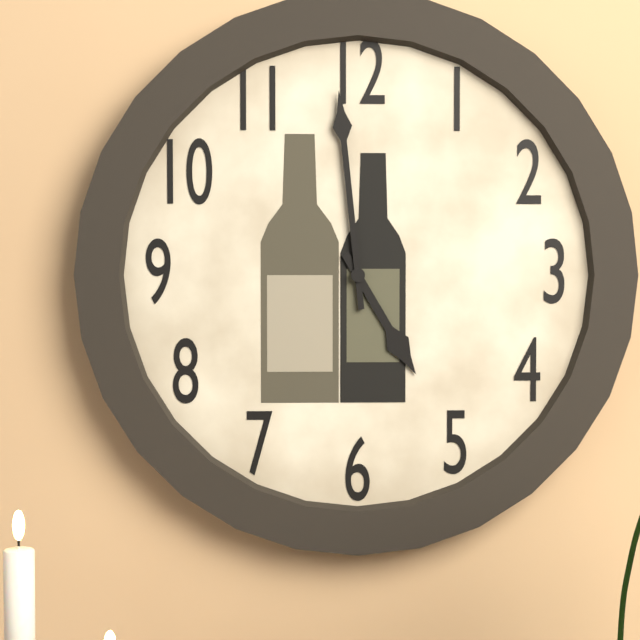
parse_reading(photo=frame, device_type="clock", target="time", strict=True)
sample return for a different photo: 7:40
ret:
4:59
